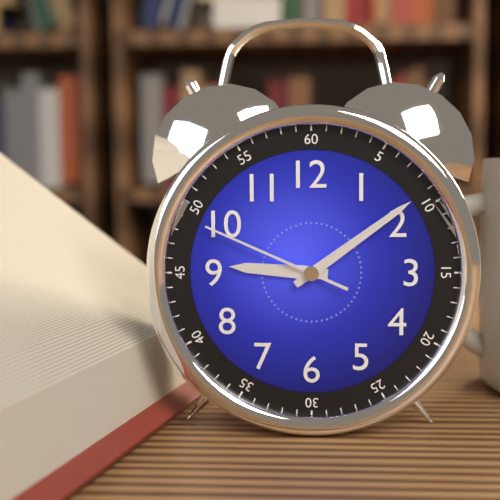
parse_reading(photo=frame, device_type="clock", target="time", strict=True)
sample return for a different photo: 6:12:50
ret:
9:09:49
